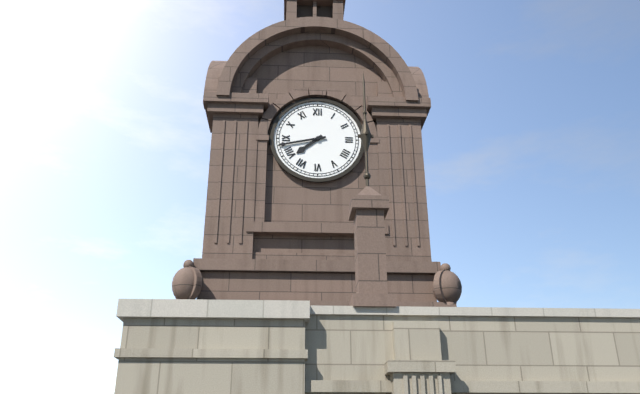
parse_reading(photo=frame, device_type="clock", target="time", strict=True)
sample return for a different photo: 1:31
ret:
7:43
